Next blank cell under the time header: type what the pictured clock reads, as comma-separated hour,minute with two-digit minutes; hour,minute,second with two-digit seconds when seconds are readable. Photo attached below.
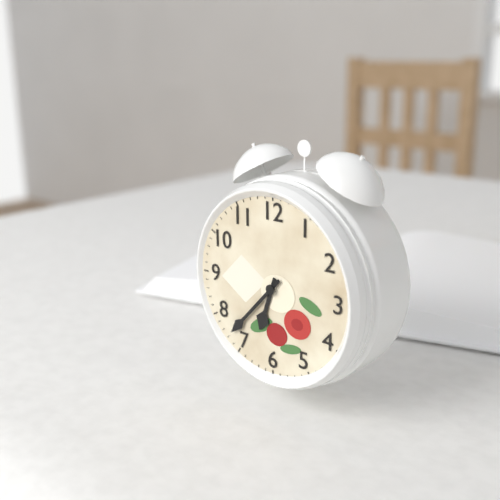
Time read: 6,37
